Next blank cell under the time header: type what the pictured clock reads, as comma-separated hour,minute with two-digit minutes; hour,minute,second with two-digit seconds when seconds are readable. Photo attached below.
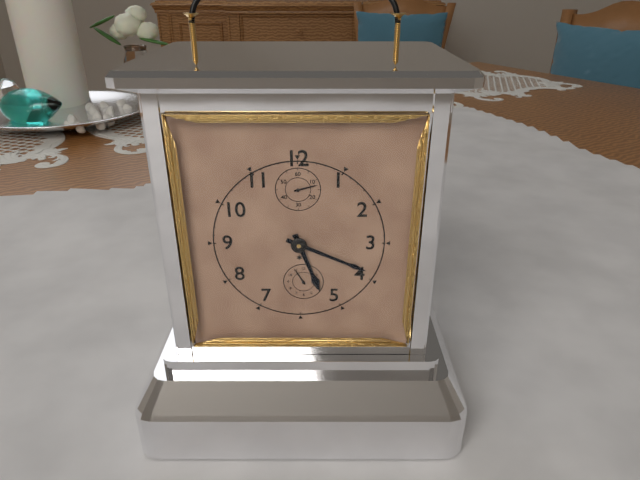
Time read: 5,19
